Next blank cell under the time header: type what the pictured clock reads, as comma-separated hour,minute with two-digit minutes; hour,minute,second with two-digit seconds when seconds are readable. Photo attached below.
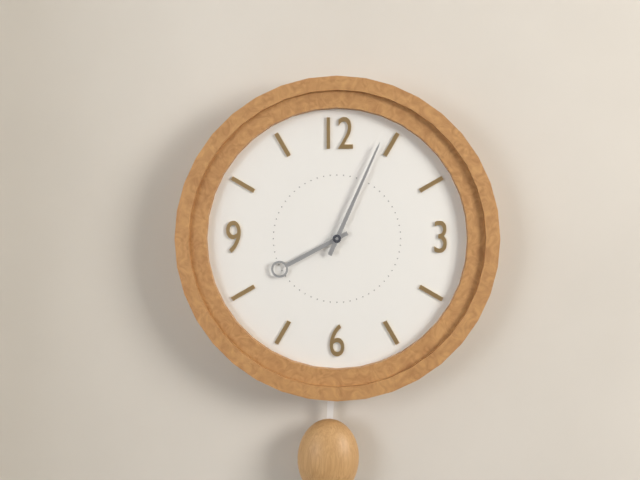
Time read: 8,04
